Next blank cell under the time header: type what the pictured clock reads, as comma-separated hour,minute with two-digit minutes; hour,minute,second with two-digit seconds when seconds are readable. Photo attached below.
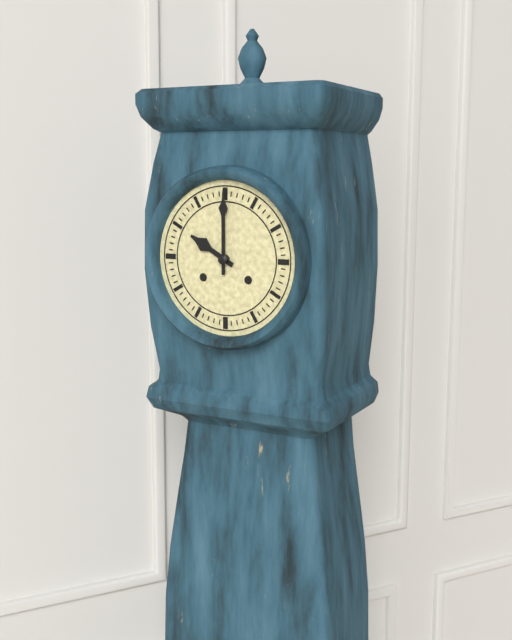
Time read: 10,00
